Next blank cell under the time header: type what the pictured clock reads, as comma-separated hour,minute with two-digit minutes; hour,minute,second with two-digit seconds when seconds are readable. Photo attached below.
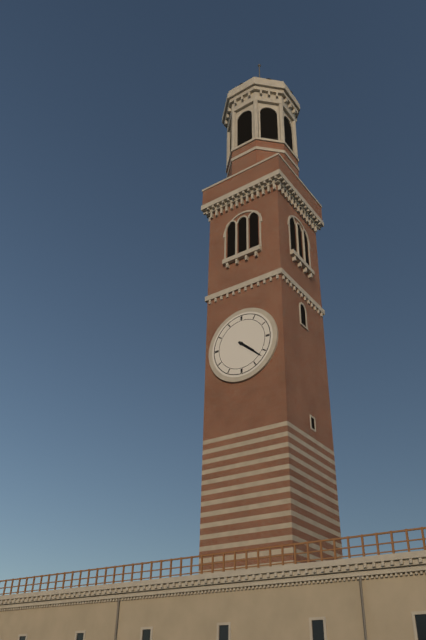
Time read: 4,22
